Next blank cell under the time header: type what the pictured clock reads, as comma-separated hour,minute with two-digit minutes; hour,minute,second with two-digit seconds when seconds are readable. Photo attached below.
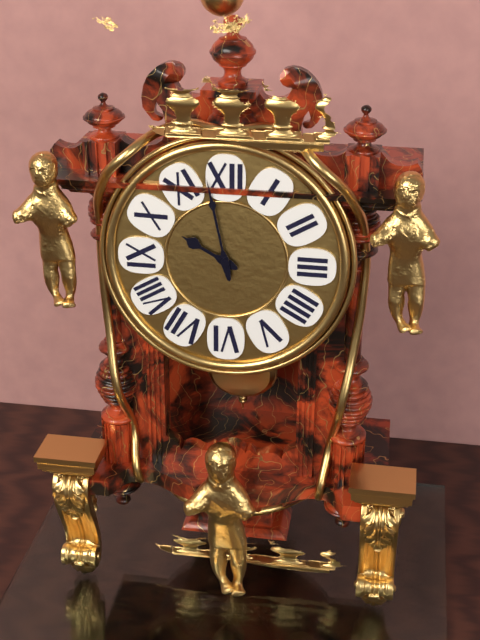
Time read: 9,58
